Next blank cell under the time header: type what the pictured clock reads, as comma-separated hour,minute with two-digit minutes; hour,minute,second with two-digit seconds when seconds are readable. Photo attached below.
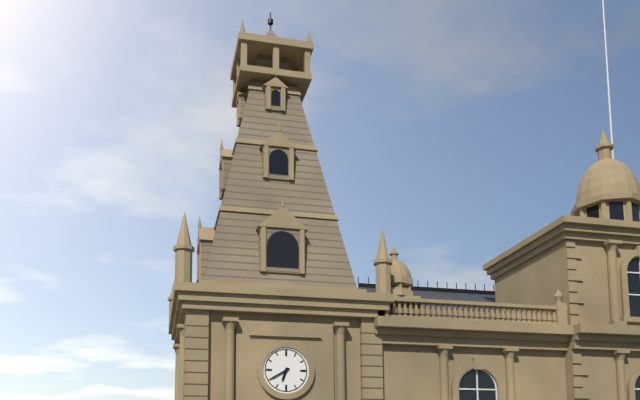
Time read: 6,40
